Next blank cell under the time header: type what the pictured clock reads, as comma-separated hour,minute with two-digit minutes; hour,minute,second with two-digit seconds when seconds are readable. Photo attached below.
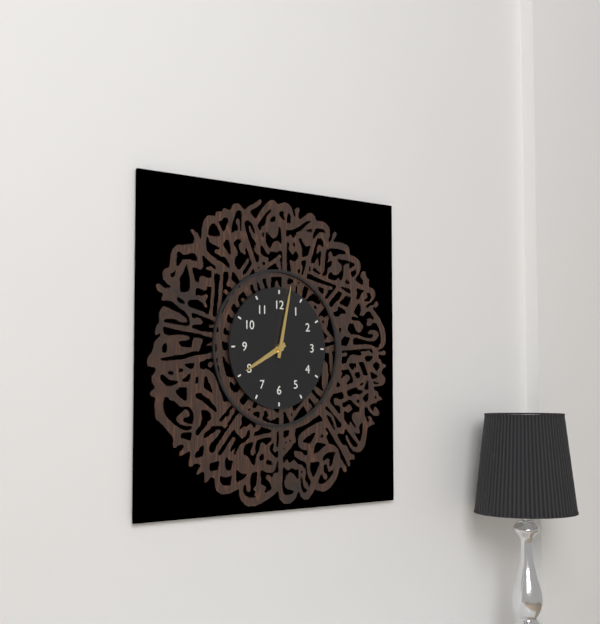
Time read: 8,02
